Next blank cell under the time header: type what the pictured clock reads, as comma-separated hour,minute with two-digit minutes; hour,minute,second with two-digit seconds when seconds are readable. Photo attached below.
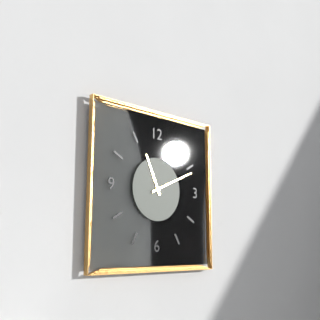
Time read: 11,11
